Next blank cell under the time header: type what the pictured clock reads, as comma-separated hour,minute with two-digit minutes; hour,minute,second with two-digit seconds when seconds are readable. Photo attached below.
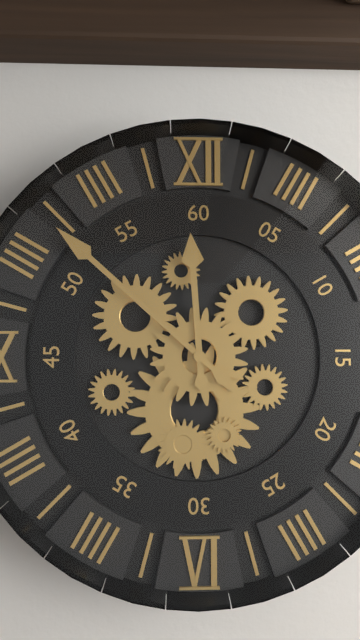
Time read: 11,52
